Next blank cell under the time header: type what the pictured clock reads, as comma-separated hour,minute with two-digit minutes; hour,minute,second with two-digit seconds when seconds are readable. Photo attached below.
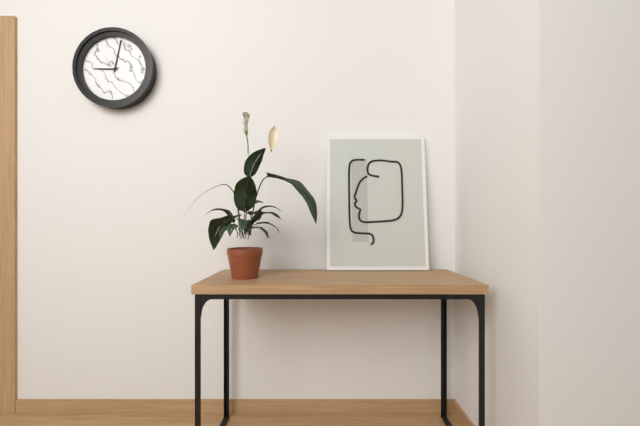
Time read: 9,02
